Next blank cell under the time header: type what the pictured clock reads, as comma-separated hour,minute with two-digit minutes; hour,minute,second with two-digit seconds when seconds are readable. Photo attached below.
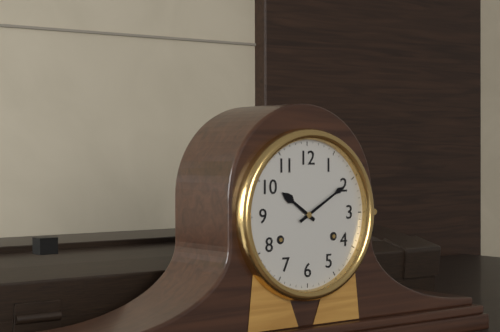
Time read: 10,10
